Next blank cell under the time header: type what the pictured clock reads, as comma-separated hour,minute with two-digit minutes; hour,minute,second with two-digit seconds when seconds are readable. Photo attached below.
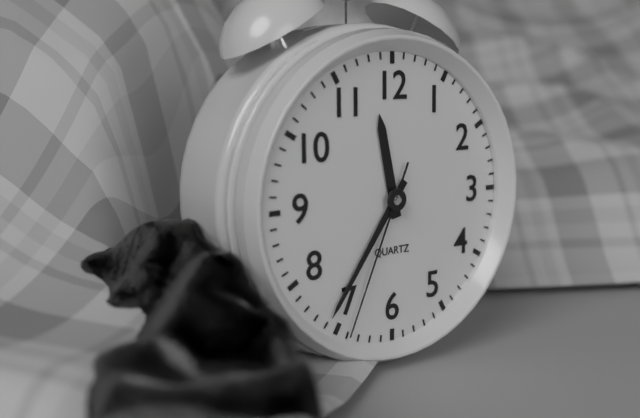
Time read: 11,36,34
